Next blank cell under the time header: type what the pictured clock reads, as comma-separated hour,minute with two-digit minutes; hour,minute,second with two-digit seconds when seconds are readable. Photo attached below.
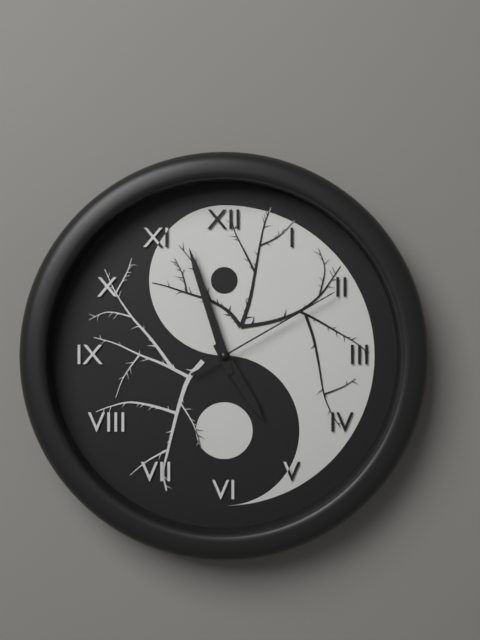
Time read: 4,57,10
